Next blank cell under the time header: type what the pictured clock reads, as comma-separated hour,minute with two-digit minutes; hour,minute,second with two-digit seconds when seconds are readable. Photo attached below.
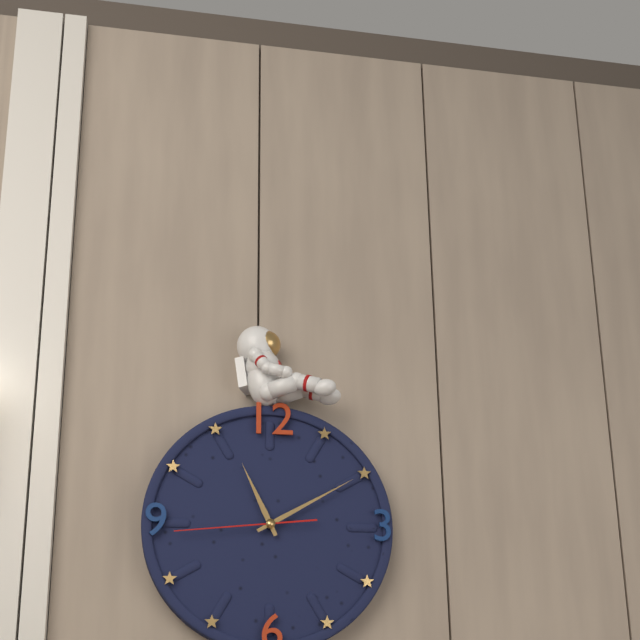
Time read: 11,10,44
